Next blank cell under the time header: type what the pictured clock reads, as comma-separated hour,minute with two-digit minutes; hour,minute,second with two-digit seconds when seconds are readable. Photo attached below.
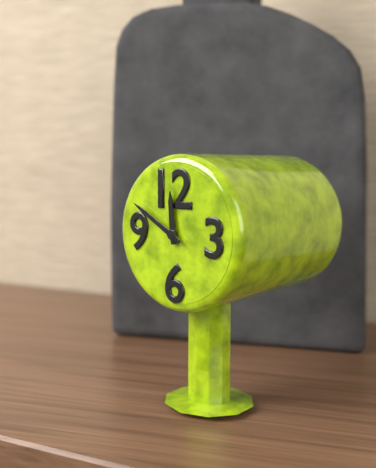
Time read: 11,50
